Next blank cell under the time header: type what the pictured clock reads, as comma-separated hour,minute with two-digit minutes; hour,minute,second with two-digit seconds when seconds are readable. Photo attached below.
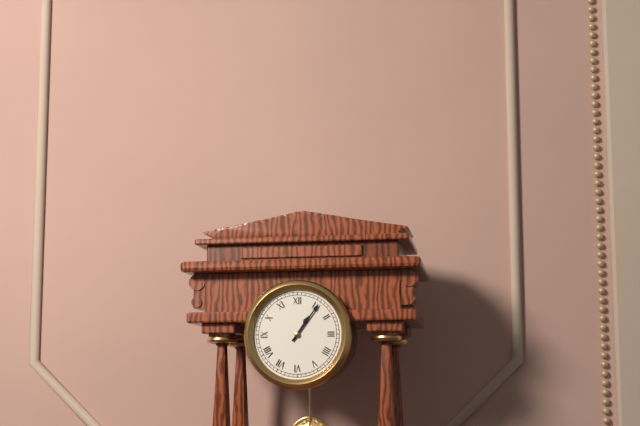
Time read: 1,06
